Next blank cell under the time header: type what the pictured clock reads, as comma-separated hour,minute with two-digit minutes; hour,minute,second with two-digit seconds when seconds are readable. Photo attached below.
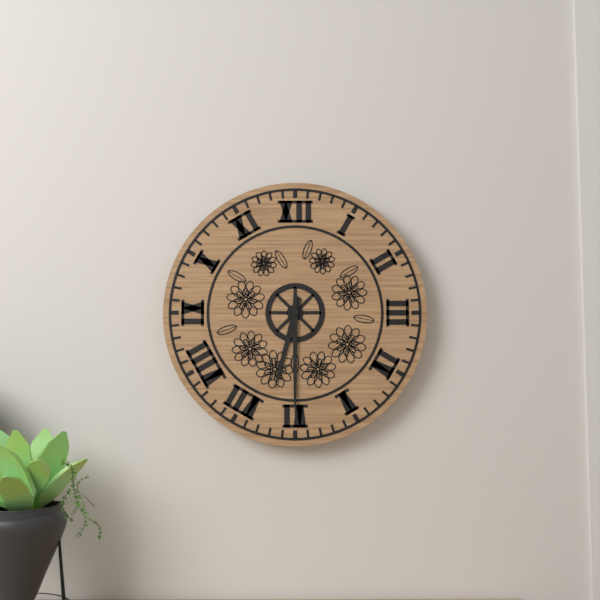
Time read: 6,30
